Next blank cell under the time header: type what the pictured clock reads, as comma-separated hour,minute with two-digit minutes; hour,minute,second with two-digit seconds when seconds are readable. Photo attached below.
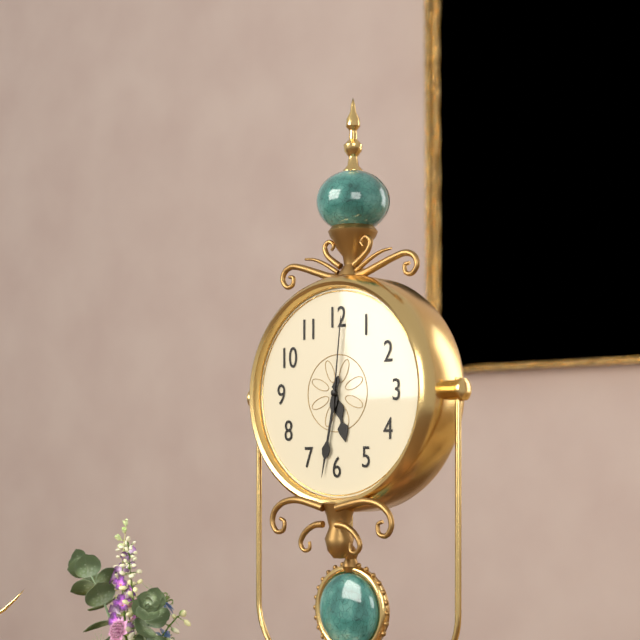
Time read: 5,32,01
